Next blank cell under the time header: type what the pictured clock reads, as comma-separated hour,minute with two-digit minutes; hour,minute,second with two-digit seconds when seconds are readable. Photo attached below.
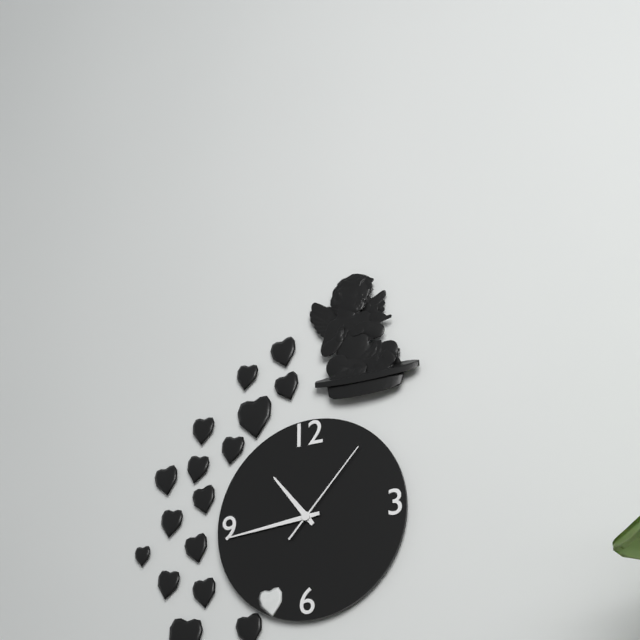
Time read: 10,44,07
